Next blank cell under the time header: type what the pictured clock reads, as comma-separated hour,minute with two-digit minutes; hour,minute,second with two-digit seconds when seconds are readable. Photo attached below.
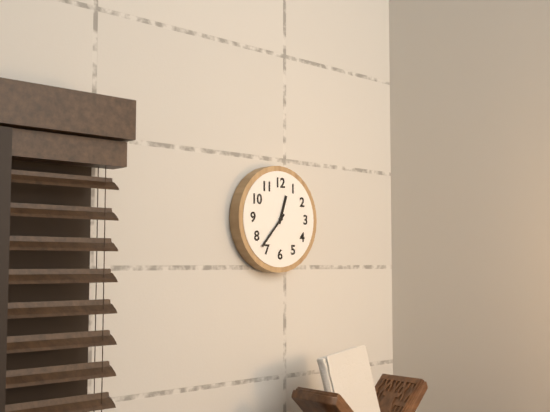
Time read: 12,37
